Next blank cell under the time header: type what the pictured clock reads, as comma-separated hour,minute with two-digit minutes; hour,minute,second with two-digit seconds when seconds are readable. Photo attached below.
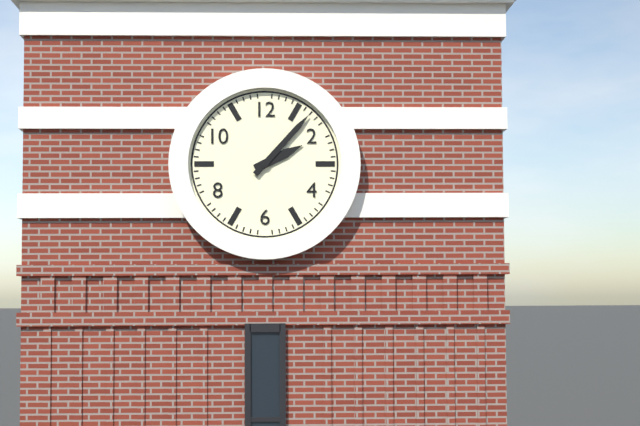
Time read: 2,07
